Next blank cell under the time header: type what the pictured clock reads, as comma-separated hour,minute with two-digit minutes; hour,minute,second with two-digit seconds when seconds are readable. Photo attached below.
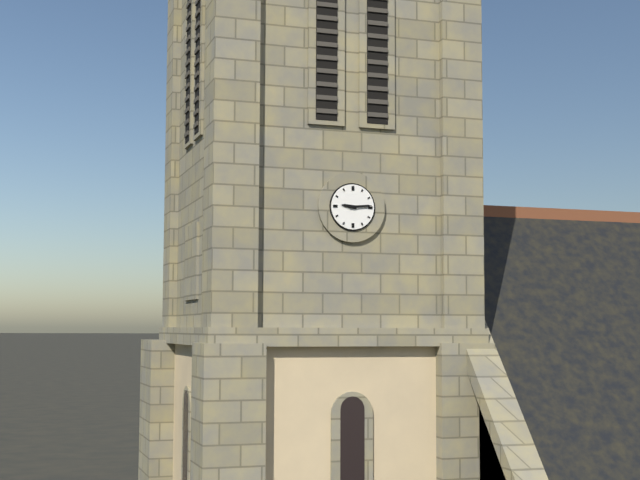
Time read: 9,14
